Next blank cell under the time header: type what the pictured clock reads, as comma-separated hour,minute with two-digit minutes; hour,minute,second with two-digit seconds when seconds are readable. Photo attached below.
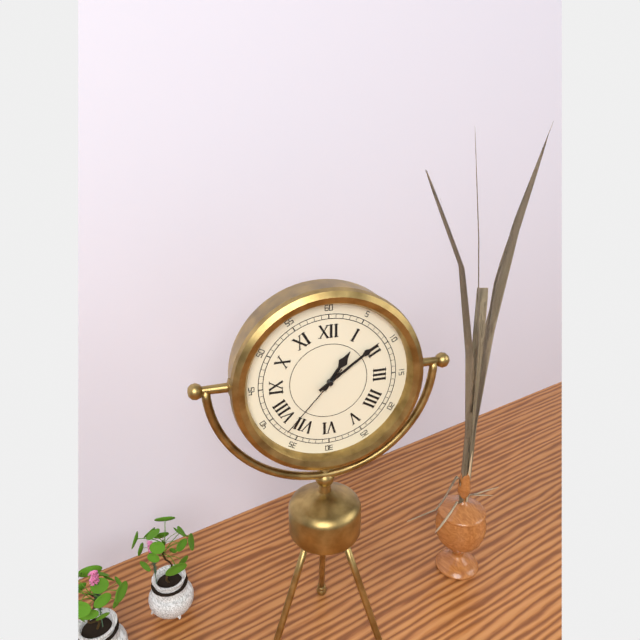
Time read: 1,09,37
